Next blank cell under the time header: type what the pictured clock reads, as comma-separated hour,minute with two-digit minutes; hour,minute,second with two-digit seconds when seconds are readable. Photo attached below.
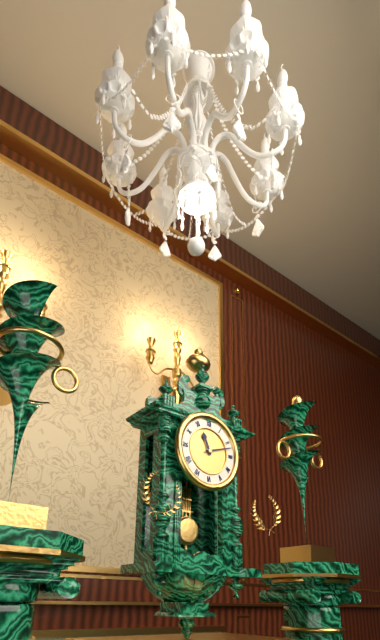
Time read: 11,12
